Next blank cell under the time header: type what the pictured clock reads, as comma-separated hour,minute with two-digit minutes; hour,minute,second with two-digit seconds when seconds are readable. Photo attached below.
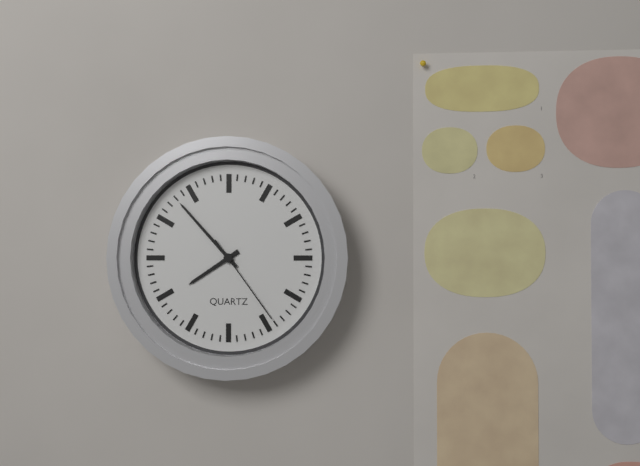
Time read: 7,53,24
